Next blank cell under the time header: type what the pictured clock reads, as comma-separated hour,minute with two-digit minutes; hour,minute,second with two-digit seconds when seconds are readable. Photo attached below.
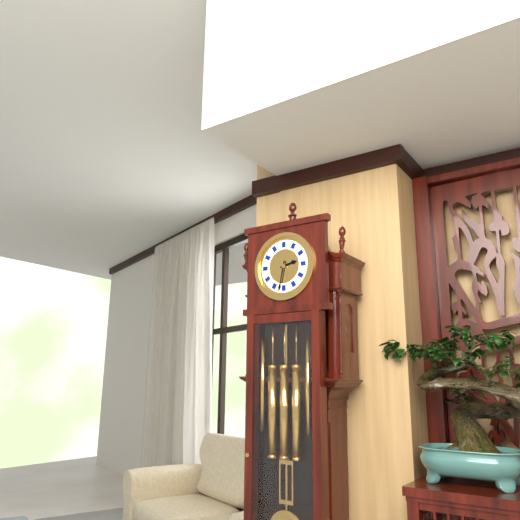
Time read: 2,32
